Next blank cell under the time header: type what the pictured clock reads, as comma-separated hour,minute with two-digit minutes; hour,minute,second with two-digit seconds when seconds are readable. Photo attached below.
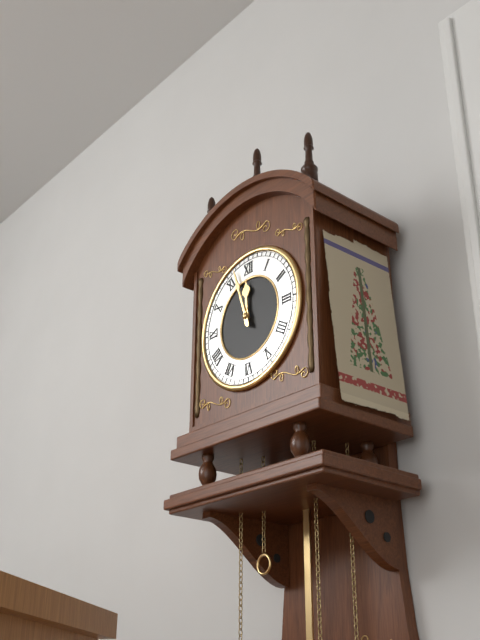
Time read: 11,57
